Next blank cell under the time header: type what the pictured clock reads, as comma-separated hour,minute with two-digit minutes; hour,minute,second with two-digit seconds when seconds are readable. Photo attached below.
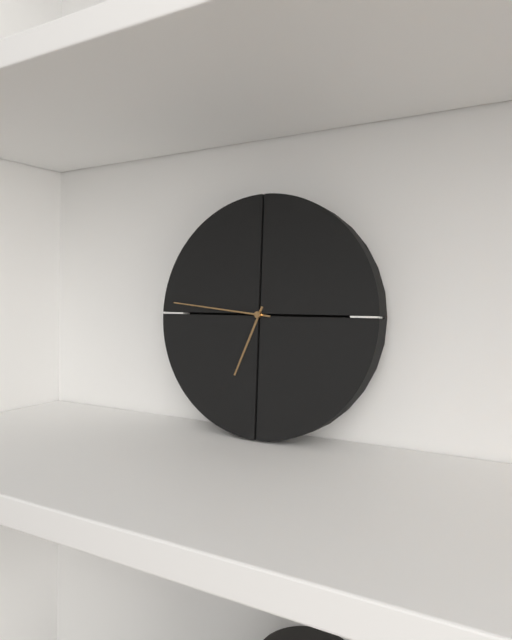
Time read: 6,46
